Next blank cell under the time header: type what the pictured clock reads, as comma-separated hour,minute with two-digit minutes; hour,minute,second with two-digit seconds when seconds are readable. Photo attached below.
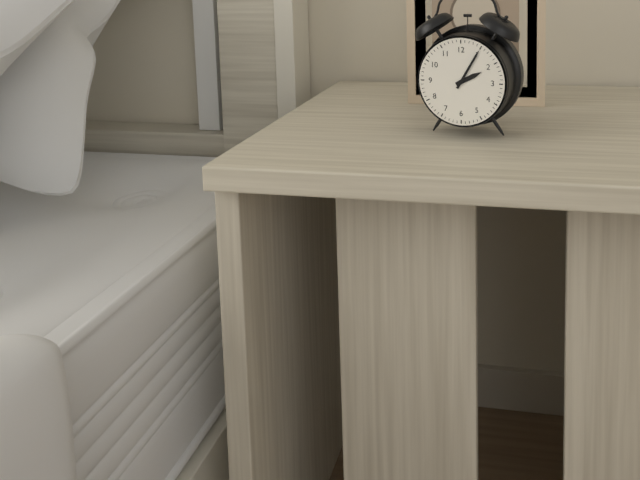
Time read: 2,05
